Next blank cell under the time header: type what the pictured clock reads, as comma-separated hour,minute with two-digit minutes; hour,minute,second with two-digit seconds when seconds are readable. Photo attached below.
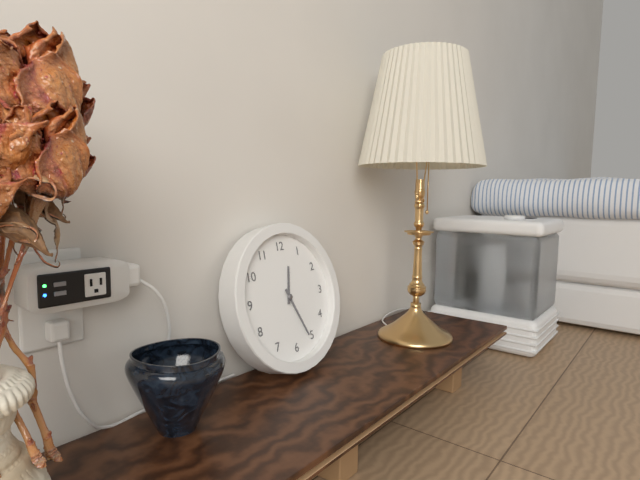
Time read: 12,26
